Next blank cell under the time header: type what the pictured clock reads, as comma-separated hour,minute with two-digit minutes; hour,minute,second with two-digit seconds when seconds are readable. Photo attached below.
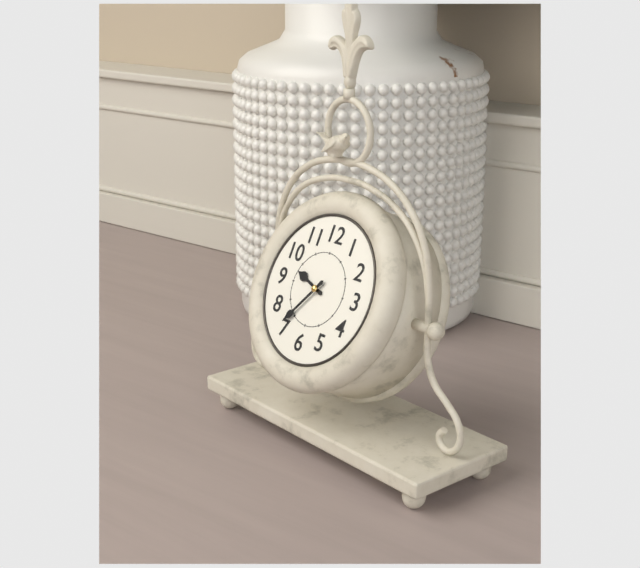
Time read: 9,36
